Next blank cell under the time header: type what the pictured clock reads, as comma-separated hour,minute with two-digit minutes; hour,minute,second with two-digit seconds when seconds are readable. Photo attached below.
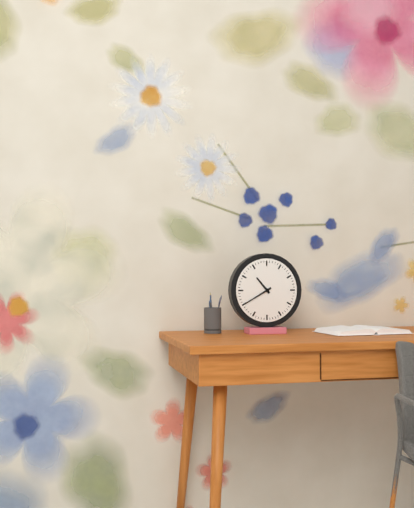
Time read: 10,40
